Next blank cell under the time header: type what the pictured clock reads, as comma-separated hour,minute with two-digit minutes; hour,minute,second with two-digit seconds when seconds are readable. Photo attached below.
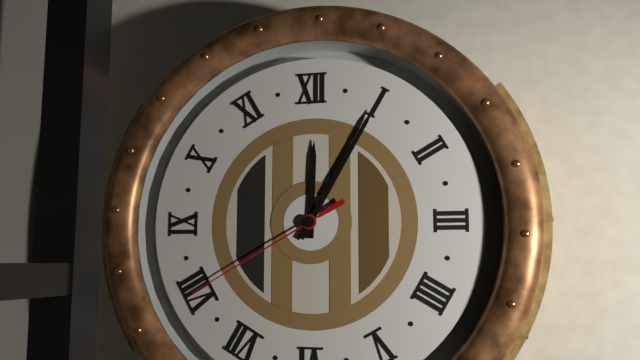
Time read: 12,05,40
